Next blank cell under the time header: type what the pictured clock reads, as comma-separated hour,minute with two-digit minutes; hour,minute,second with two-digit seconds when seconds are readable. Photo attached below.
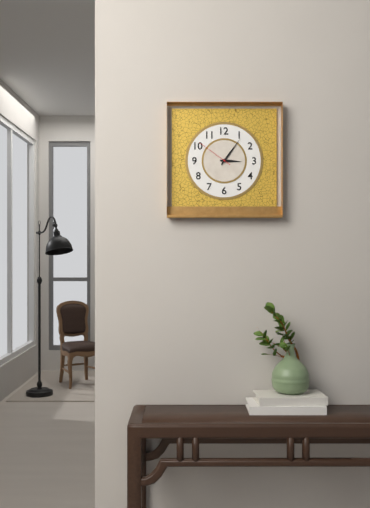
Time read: 3,06
